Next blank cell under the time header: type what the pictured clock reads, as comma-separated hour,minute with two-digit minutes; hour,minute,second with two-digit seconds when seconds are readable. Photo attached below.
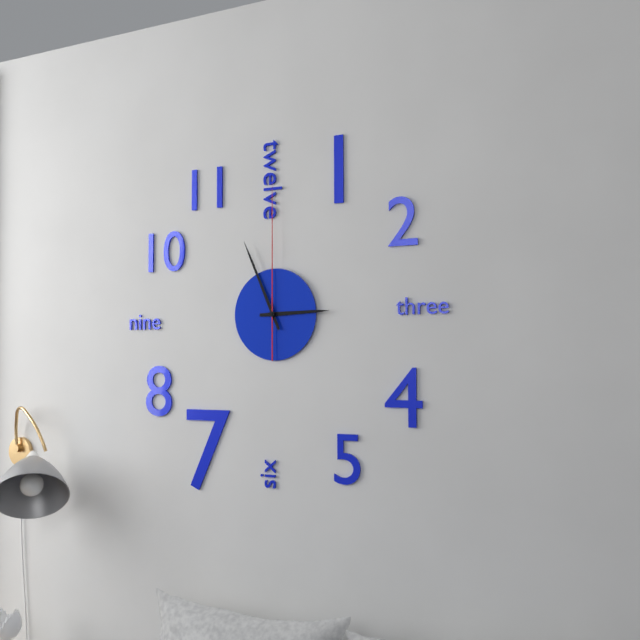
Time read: 2,56,00
